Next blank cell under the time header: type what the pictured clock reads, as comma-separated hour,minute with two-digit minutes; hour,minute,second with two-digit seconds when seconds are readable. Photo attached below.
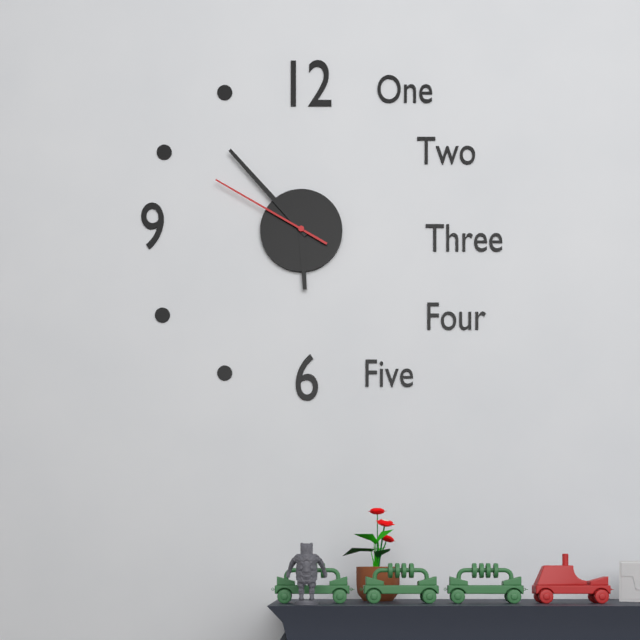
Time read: 5,53,50
